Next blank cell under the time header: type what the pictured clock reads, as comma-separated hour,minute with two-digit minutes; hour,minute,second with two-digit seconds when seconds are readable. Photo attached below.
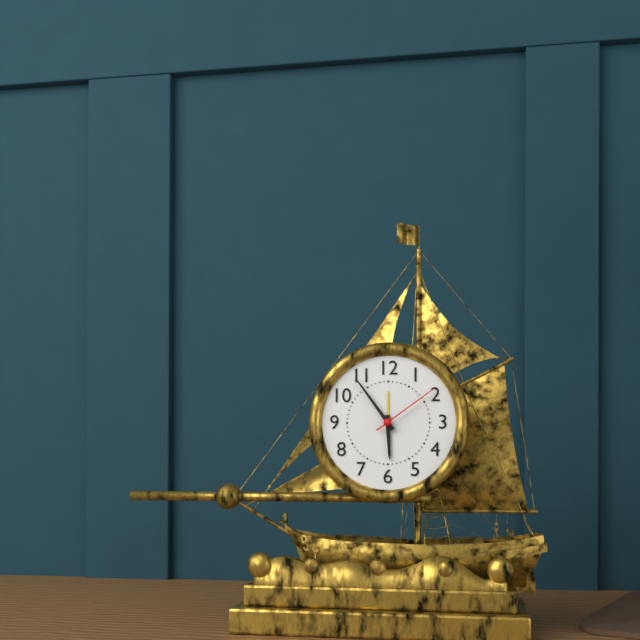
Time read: 5,54,09
